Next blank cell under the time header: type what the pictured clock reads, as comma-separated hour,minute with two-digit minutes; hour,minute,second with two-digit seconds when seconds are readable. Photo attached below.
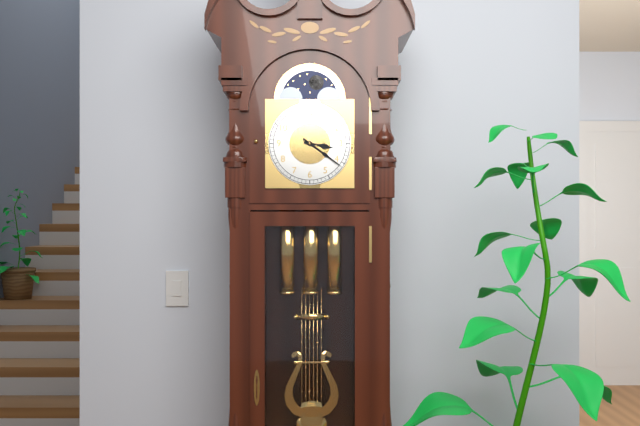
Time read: 3,21
